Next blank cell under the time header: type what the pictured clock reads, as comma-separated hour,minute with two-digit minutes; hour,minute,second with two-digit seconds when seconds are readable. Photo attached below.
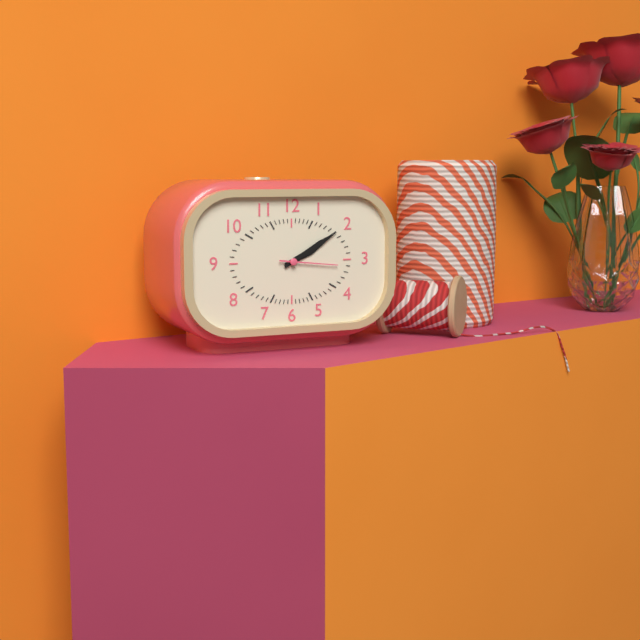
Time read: 2,10,16
